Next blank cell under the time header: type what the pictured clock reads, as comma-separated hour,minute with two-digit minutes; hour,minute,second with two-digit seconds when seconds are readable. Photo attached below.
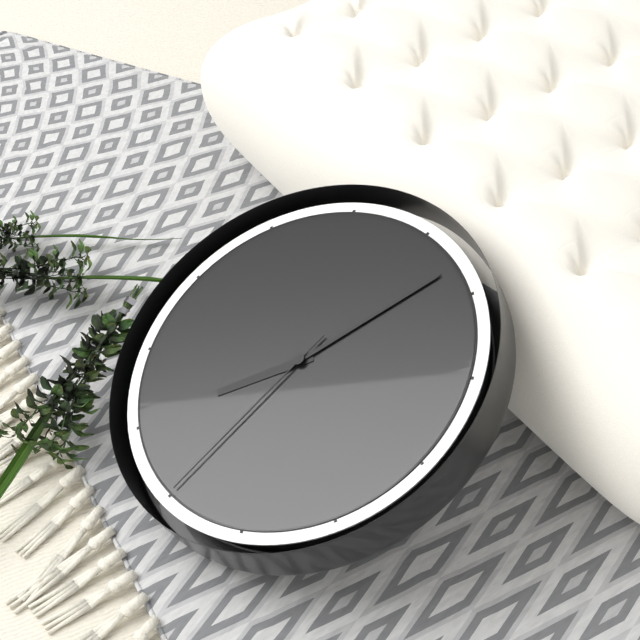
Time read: 7,03,30
